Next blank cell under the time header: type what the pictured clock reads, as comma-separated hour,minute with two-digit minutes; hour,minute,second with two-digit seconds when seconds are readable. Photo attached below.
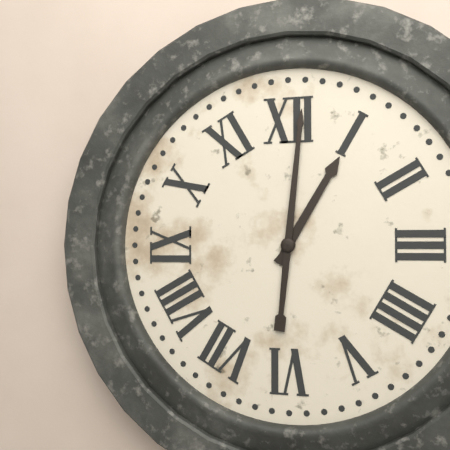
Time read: 1,01
